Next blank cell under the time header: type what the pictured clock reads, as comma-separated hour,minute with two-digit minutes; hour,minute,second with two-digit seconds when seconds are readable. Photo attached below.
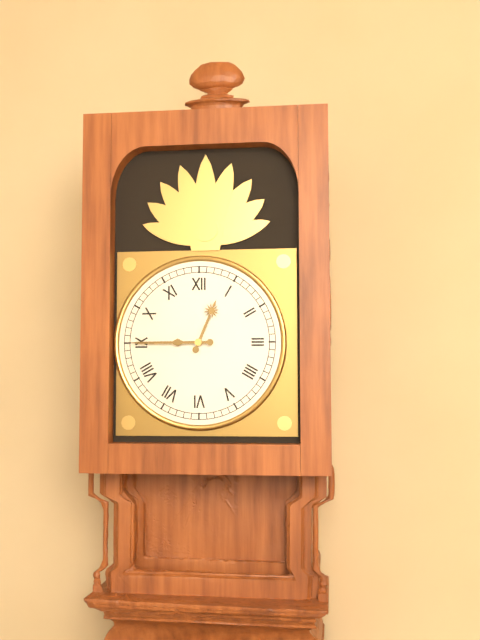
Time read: 12,45
